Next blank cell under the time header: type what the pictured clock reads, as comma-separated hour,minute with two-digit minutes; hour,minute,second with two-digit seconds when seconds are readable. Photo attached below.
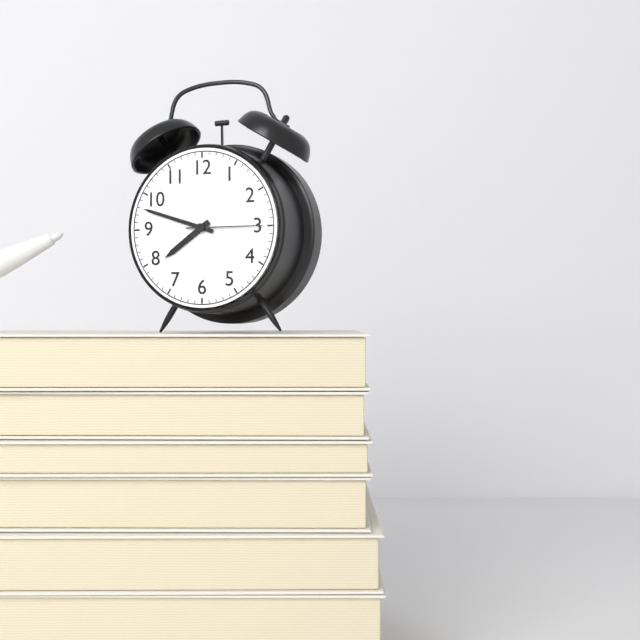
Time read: 7,48,15
